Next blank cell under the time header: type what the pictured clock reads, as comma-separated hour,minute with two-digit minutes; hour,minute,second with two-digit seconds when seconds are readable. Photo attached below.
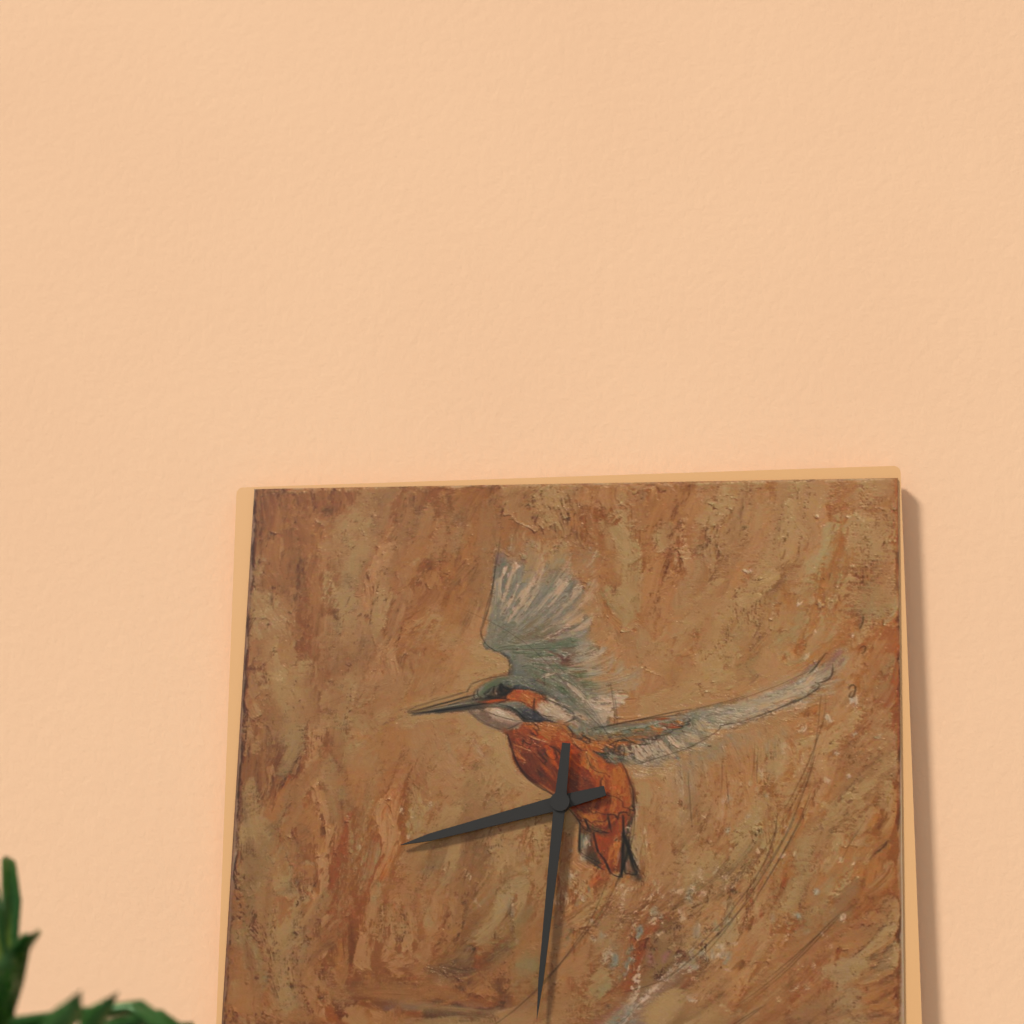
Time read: 8,31
